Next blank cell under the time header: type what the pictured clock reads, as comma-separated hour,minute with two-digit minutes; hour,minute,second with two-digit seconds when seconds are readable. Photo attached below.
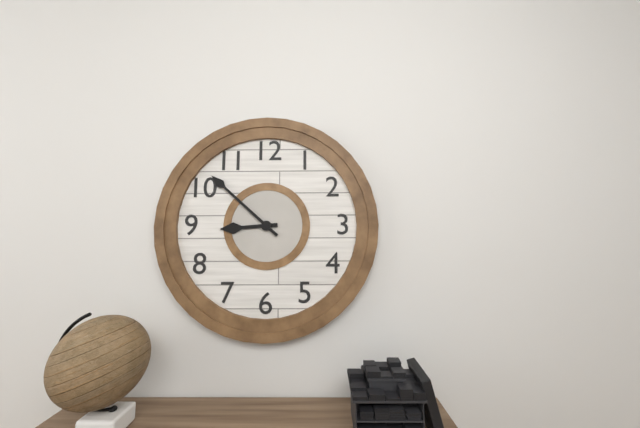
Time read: 8,52
